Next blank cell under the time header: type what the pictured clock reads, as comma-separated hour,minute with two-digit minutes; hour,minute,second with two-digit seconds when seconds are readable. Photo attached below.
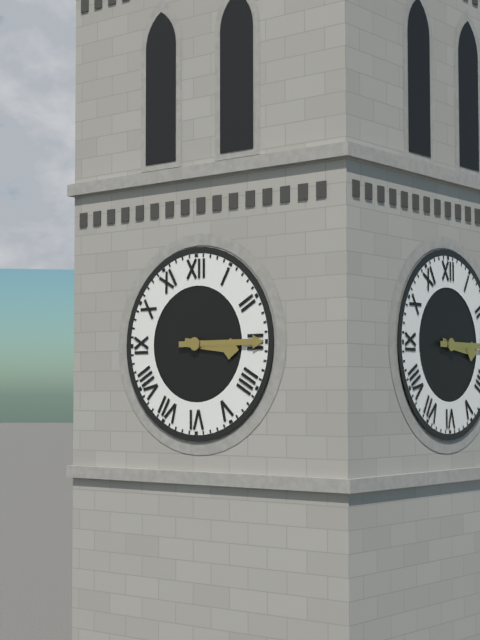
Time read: 3,15
